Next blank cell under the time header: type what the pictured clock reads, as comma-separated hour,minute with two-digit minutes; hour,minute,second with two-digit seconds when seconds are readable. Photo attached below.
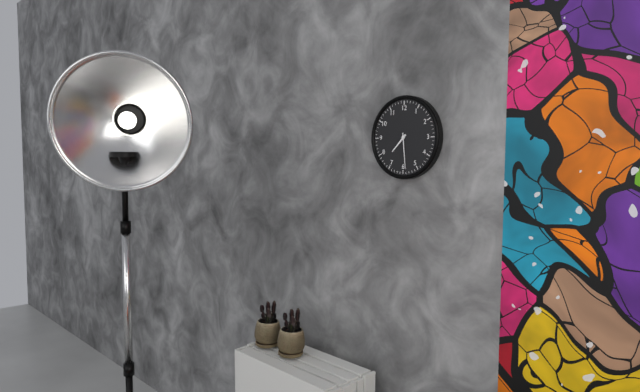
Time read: 7,29
